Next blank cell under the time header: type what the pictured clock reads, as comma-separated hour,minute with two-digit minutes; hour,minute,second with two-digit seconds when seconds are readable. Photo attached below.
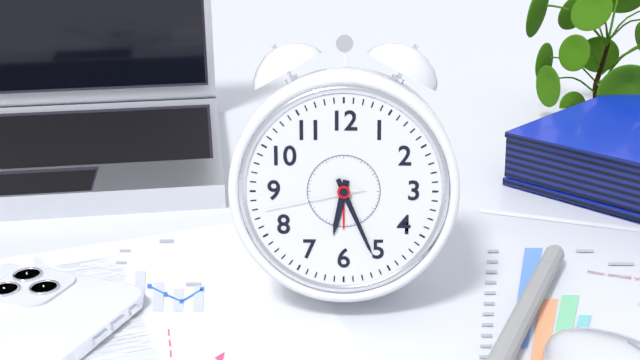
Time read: 6,26,43
